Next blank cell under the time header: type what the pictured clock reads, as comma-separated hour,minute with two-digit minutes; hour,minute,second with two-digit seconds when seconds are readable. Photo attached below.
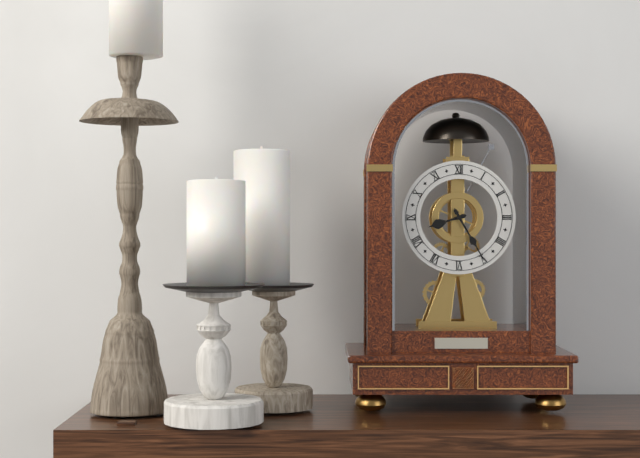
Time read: 8,25
